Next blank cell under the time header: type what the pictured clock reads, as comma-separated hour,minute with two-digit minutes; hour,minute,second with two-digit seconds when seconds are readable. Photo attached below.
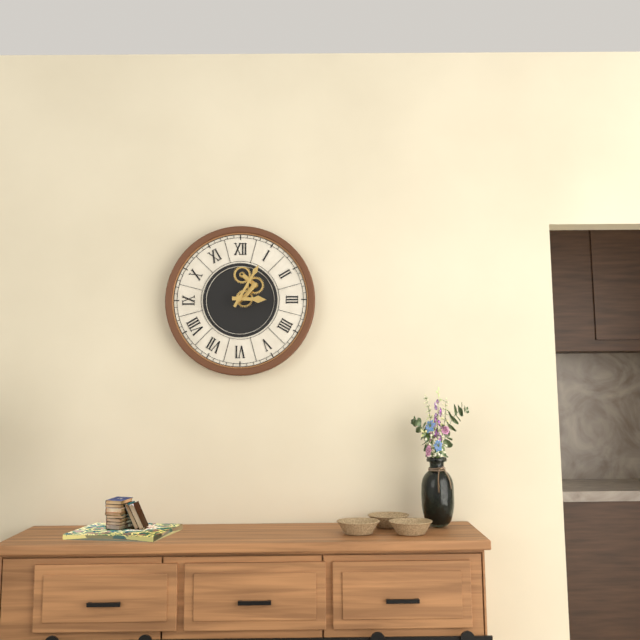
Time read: 3,05
